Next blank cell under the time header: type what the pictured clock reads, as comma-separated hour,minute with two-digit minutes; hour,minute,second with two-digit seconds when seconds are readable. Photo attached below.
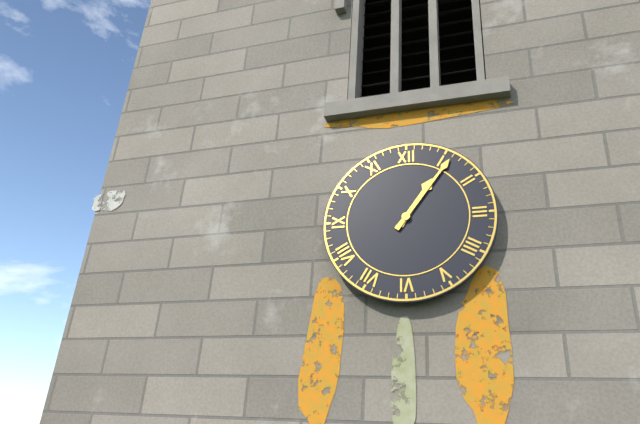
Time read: 1,06
